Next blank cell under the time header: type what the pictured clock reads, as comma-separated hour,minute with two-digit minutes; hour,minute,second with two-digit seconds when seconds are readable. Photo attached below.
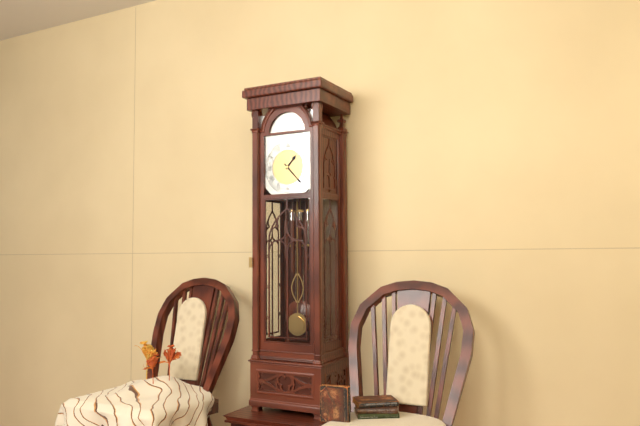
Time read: 1,23
